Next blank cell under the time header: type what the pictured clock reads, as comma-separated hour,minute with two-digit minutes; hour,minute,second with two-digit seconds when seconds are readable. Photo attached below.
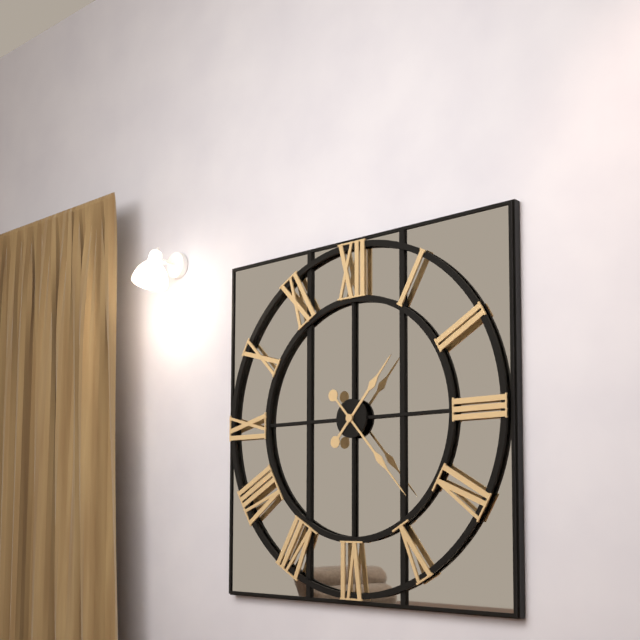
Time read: 1,23
